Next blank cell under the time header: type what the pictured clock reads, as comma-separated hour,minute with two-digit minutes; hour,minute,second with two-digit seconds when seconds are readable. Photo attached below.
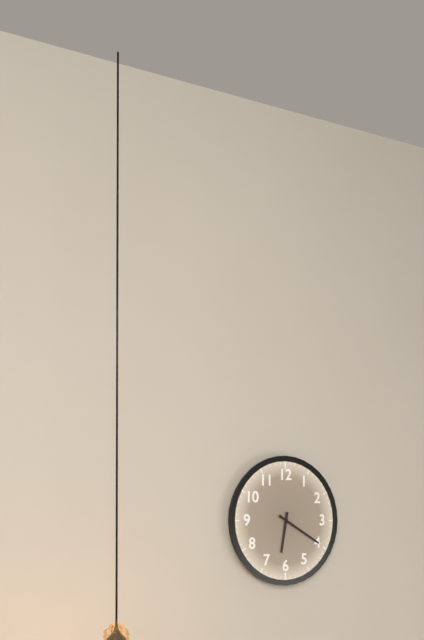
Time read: 6,20
